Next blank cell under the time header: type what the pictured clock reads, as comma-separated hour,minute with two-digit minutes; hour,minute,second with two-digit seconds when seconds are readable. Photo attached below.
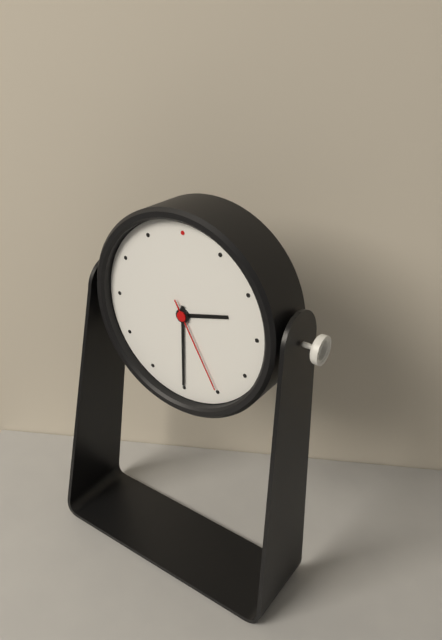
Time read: 2,30,25
